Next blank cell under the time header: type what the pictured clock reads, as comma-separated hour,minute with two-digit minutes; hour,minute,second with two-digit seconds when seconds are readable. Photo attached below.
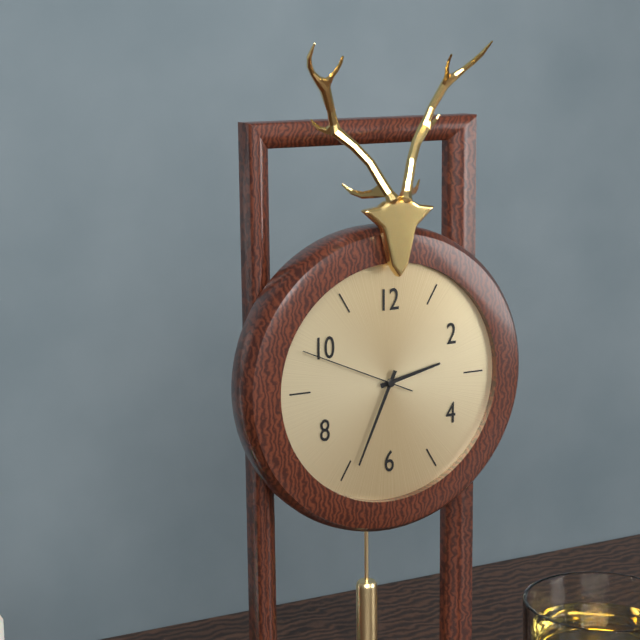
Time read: 2,34,49
